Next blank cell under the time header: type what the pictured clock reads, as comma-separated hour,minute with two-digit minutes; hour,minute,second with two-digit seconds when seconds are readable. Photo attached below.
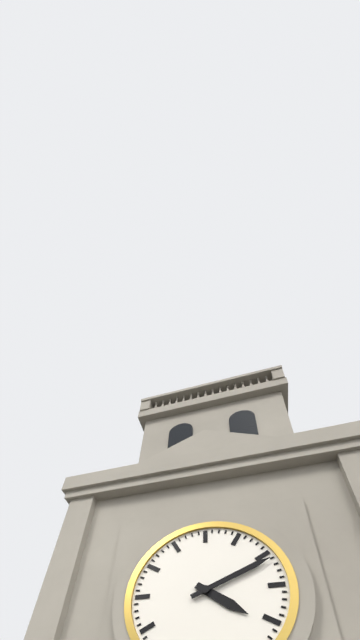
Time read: 4,11
